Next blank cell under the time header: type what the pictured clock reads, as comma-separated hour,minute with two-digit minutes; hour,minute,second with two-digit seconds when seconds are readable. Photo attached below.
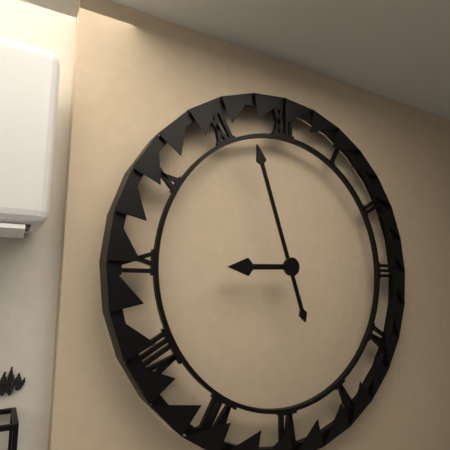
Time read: 8,57
